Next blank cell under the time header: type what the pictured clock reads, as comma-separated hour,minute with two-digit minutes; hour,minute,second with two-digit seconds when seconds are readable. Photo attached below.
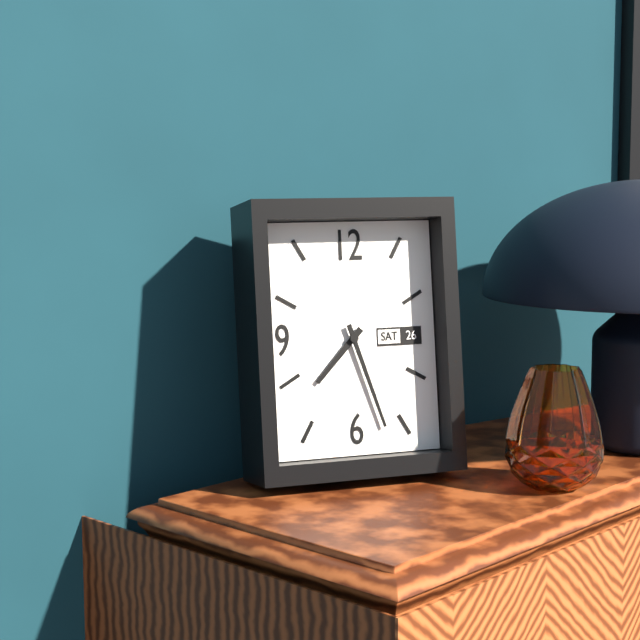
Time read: 7,27
